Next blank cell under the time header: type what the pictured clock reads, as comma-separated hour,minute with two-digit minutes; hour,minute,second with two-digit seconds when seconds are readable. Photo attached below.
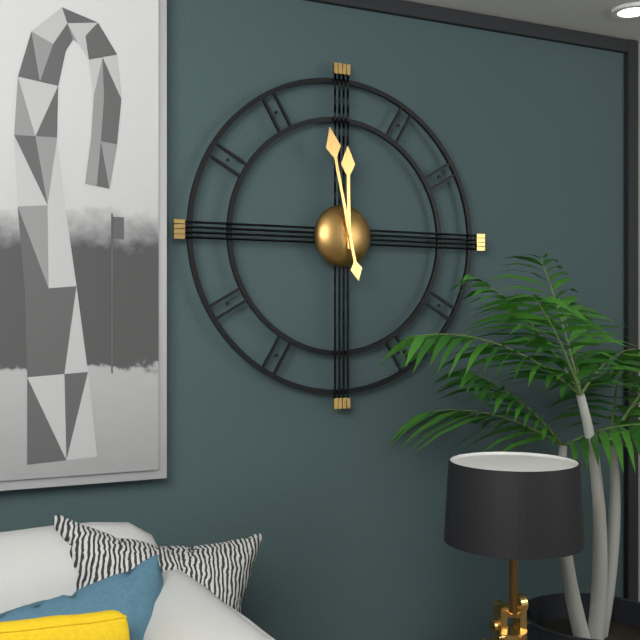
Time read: 11,58
